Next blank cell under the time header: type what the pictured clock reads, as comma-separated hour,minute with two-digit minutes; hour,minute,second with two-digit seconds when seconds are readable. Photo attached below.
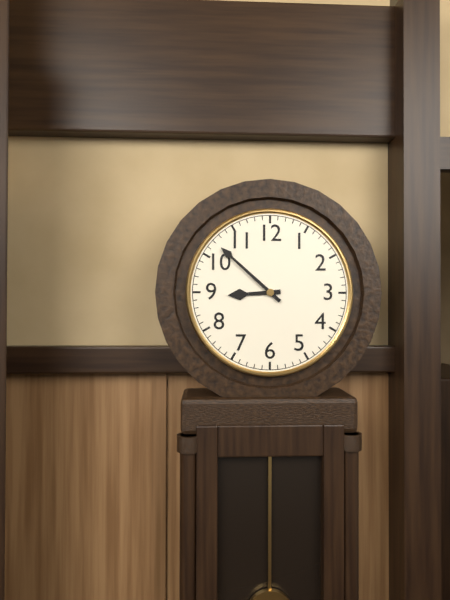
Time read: 8,52
